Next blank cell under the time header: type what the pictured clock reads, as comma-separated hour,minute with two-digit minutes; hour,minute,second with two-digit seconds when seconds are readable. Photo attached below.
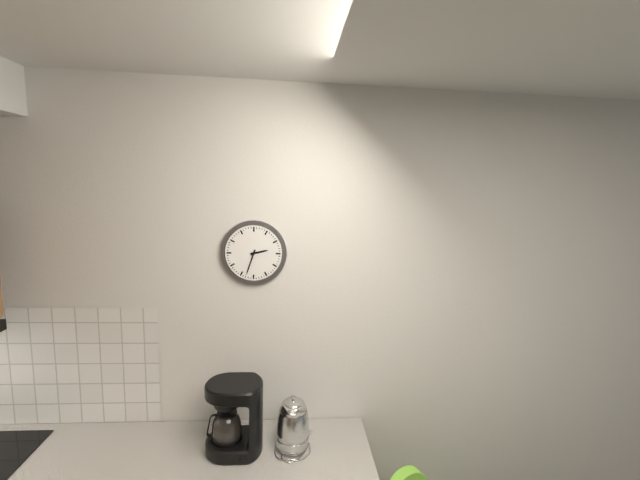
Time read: 2,33
